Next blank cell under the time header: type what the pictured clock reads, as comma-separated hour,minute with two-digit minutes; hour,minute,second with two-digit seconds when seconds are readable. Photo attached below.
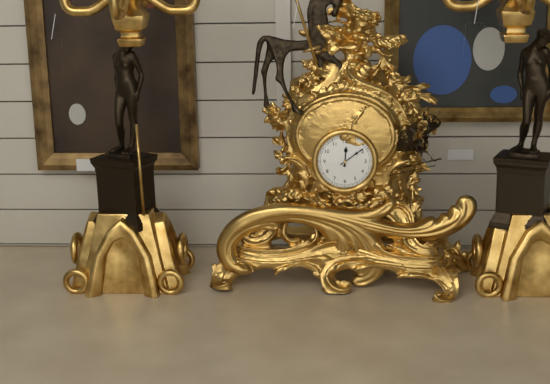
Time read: 12,09
